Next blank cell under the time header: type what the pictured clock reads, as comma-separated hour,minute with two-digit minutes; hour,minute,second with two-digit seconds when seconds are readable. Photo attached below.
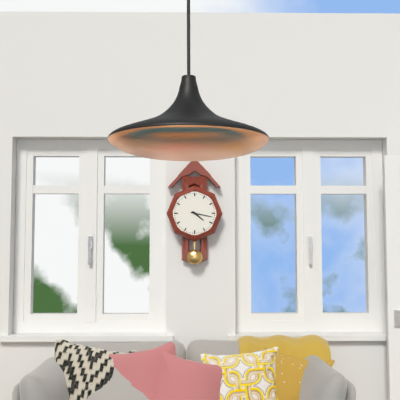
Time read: 4,17
